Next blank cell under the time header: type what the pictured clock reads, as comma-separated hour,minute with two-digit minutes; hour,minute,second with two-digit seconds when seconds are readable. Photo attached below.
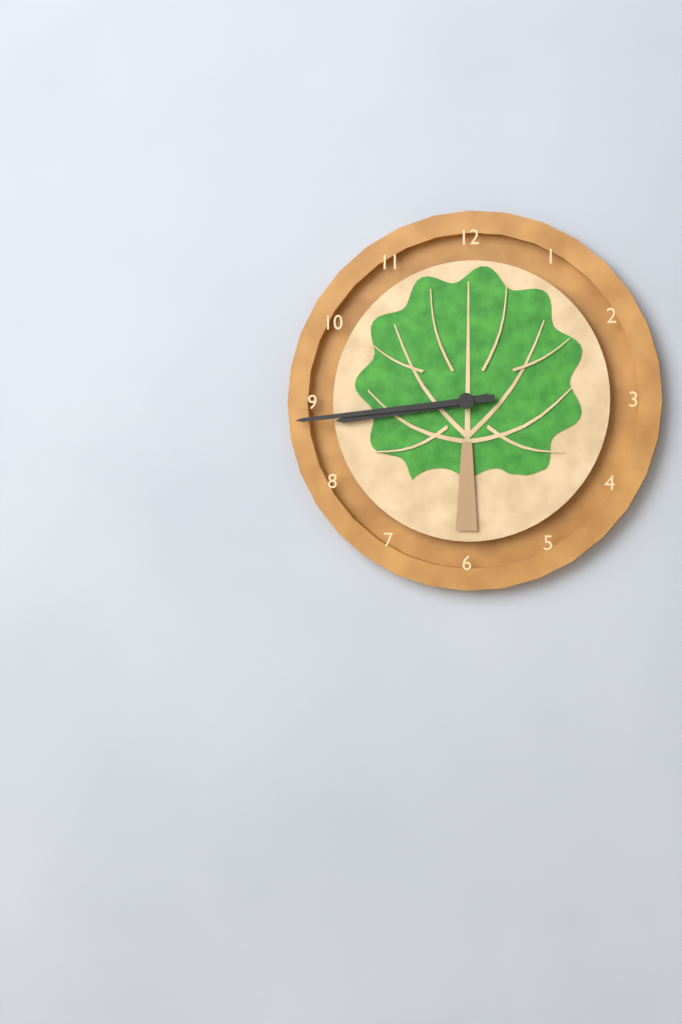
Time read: 8,44
